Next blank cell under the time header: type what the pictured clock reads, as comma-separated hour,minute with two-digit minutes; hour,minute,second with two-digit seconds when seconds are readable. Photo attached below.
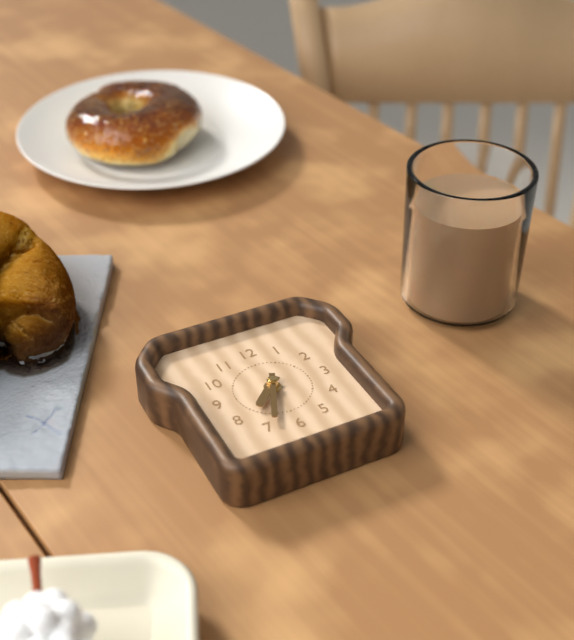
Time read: 7,34
